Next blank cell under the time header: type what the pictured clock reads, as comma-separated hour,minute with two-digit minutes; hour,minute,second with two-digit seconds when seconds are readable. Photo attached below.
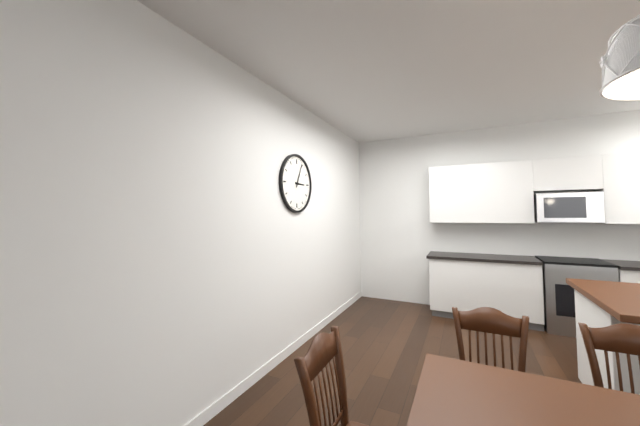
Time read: 3,04
